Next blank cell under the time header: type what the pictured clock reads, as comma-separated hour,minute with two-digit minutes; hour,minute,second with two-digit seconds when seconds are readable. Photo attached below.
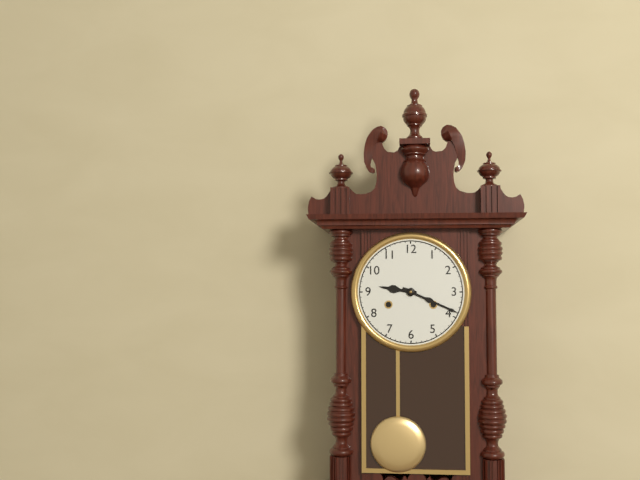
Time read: 9,19
